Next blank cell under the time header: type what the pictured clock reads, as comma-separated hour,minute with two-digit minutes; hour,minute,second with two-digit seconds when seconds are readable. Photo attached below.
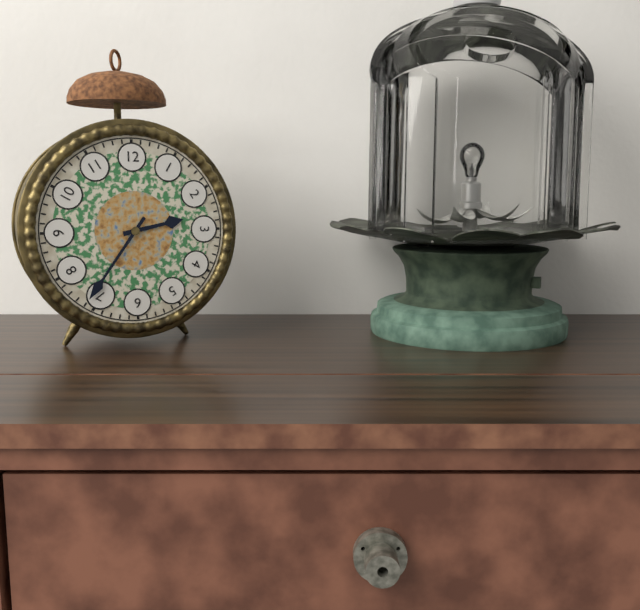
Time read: 2,36
